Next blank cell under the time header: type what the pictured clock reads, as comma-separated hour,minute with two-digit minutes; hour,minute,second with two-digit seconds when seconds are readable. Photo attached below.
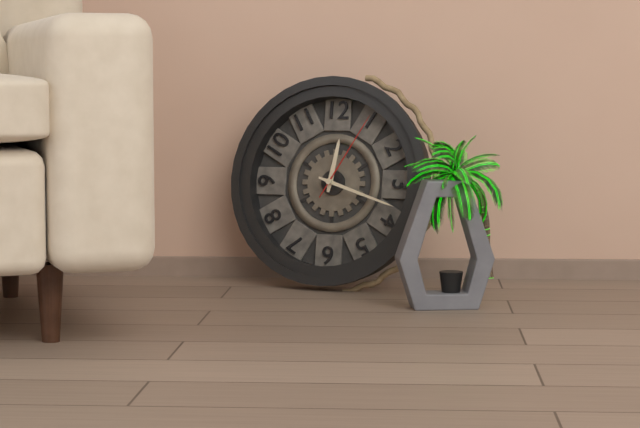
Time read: 12,18,05
